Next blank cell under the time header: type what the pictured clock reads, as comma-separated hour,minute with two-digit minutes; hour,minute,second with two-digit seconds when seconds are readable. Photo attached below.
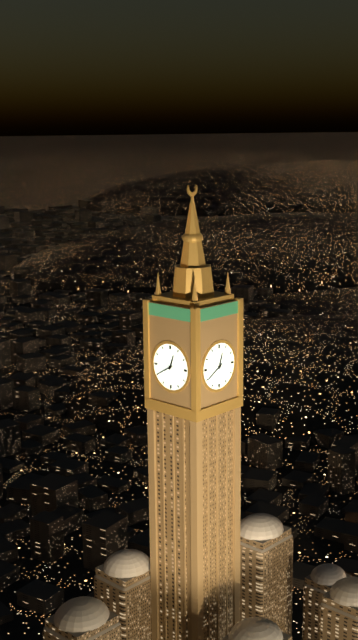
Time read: 12,40
